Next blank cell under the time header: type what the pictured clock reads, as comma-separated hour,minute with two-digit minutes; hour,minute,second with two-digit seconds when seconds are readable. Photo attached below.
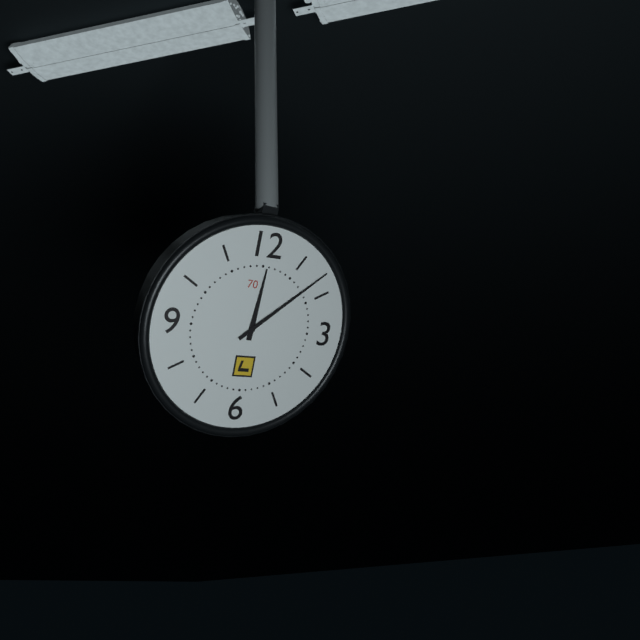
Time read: 12,08
